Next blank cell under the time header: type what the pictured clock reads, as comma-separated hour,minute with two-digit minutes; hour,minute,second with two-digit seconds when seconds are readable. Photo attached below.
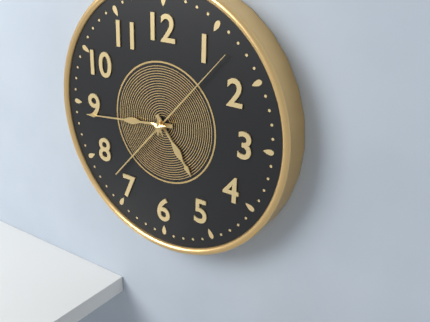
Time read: 4,44,07
